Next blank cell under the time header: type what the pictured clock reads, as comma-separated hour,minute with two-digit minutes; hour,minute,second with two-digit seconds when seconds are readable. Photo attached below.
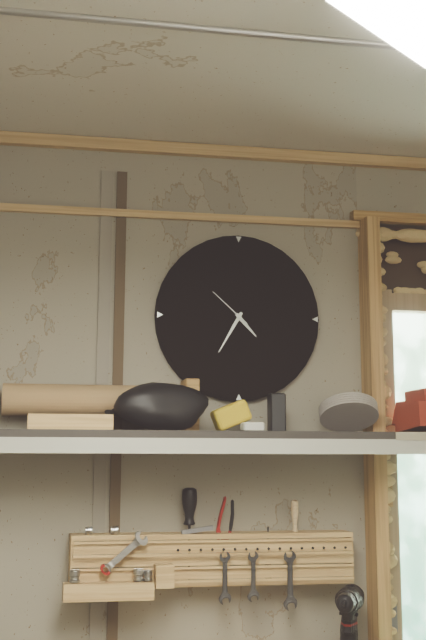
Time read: 4,35
